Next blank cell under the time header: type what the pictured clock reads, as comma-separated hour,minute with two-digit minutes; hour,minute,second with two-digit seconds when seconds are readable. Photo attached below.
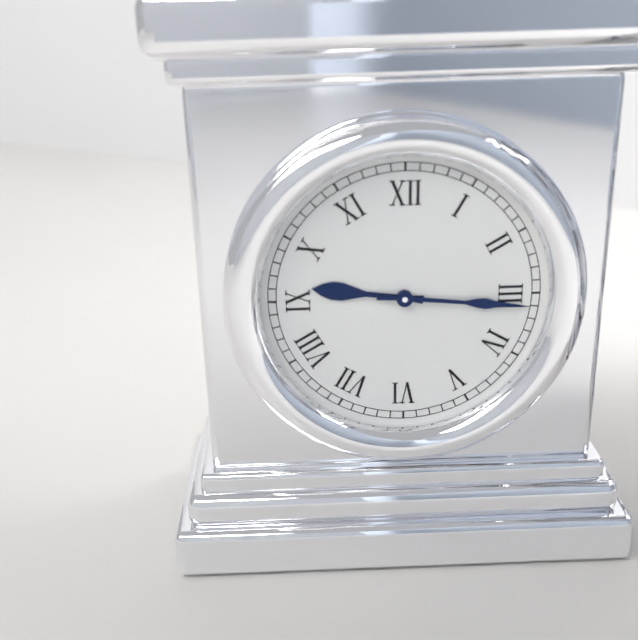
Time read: 9,16
